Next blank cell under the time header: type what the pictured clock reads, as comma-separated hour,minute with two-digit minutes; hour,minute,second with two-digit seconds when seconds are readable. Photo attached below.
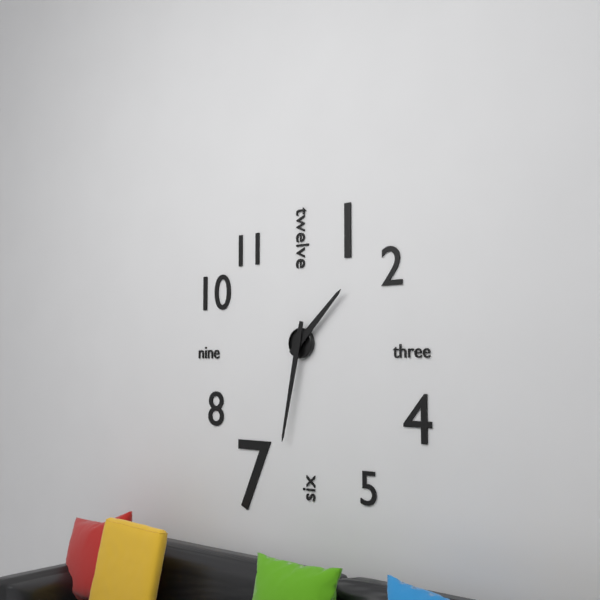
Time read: 1,32
